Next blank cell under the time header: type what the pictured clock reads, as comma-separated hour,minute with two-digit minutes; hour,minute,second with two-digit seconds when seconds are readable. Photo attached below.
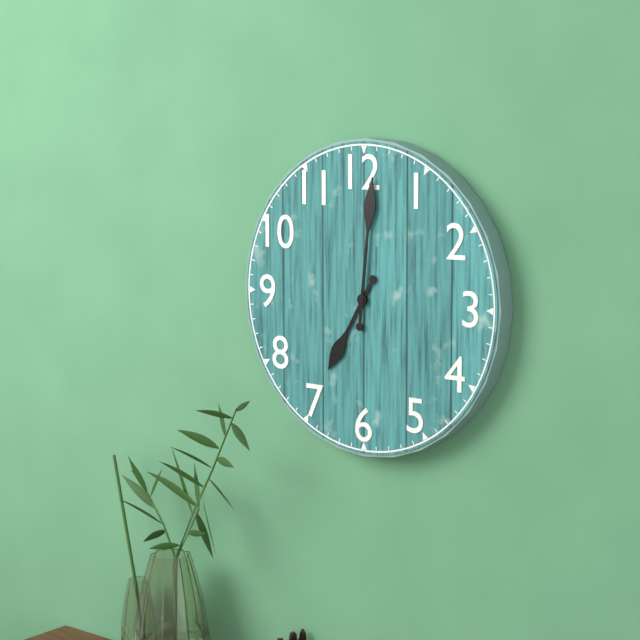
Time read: 7,01
